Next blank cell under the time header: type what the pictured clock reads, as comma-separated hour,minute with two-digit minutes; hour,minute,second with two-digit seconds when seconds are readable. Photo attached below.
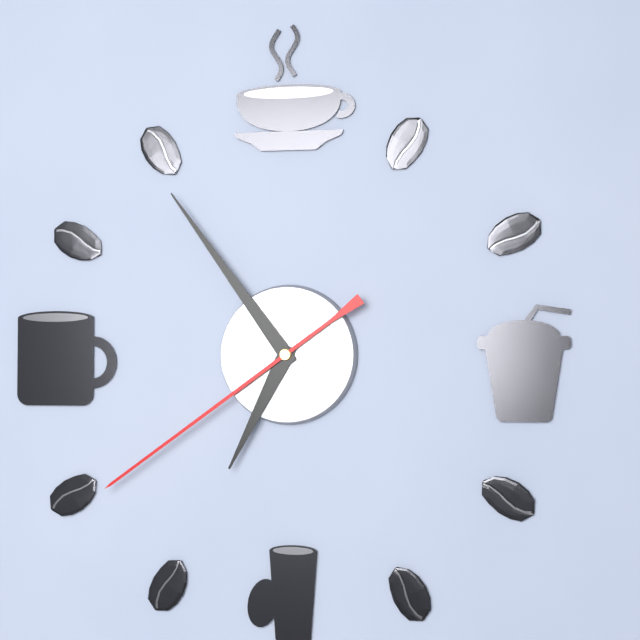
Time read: 6,54,39
